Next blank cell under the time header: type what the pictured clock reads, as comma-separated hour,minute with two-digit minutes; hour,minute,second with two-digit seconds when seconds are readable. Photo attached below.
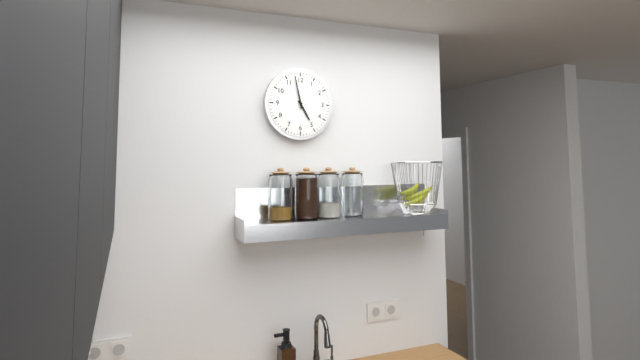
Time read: 4,58
